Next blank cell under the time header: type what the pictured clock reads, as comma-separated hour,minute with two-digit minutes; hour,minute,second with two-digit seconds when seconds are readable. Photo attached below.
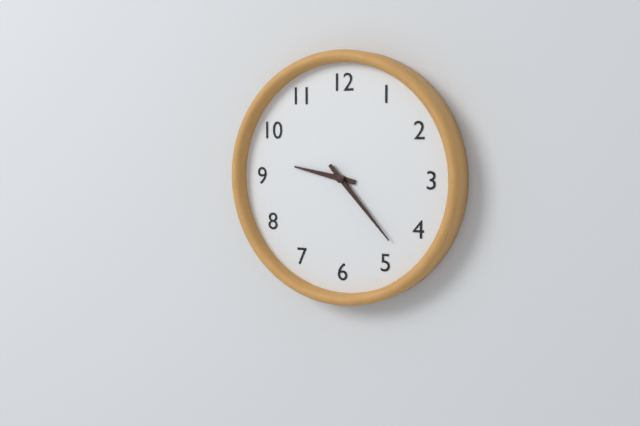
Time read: 9,23
